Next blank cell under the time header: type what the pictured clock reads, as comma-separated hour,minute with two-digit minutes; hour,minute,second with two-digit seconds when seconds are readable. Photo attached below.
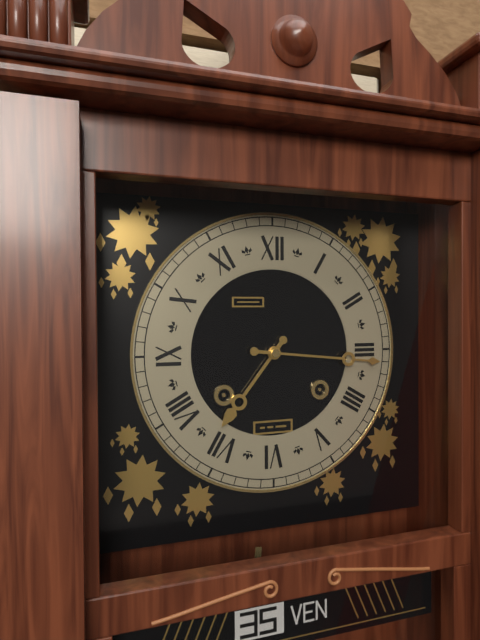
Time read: 7,16
